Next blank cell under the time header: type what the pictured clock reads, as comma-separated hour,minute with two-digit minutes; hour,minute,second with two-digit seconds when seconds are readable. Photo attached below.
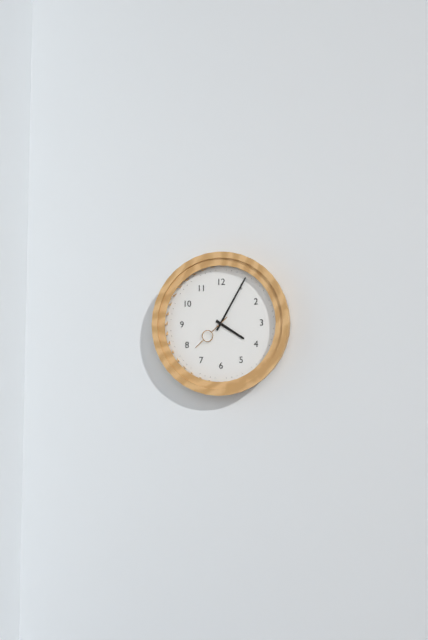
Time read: 4,05
